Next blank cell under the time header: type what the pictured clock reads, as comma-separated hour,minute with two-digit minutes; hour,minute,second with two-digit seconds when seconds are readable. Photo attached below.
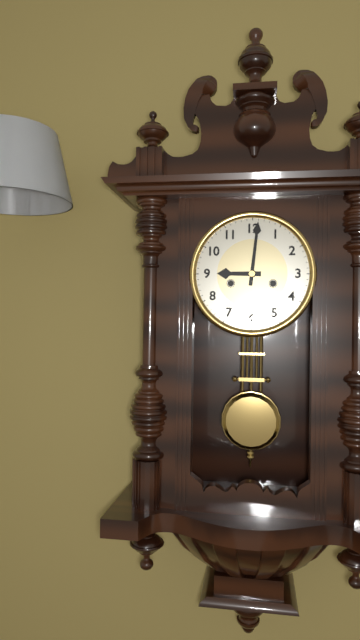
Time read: 9,01
